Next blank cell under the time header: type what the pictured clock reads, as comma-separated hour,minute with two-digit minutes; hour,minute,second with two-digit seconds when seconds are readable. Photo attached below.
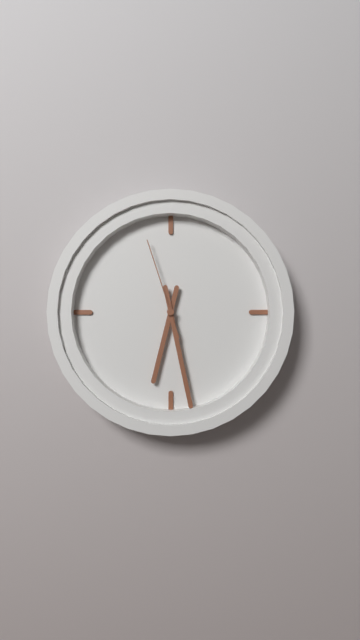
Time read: 6,28,57
